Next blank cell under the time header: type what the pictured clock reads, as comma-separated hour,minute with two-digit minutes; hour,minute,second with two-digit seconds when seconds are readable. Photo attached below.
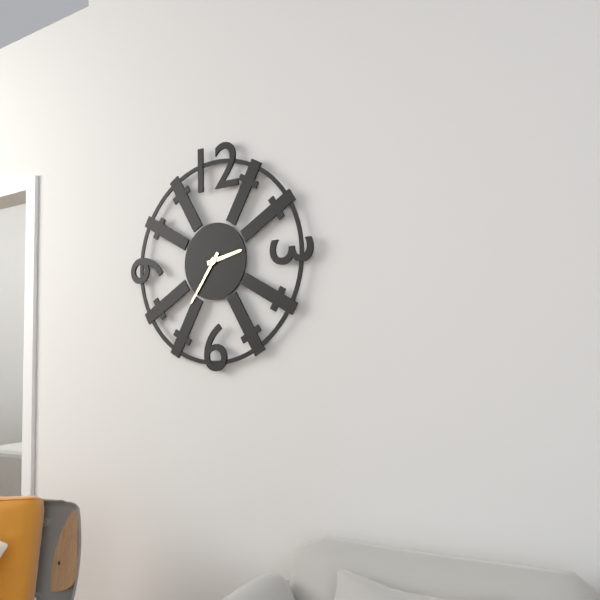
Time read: 2,36
